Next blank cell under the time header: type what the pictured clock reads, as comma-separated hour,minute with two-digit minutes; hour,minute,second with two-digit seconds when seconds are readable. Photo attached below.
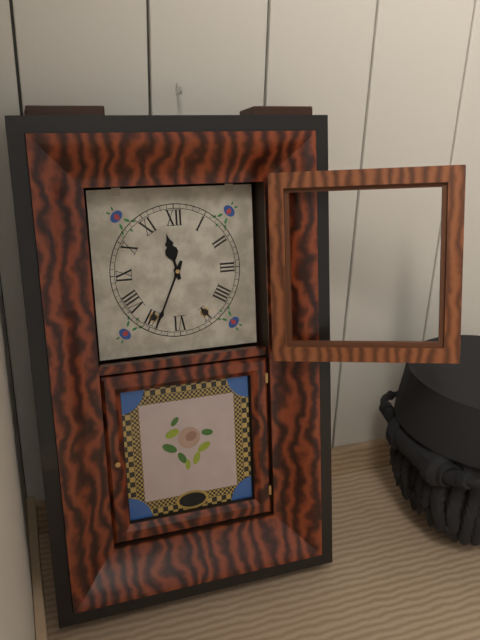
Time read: 11,34
